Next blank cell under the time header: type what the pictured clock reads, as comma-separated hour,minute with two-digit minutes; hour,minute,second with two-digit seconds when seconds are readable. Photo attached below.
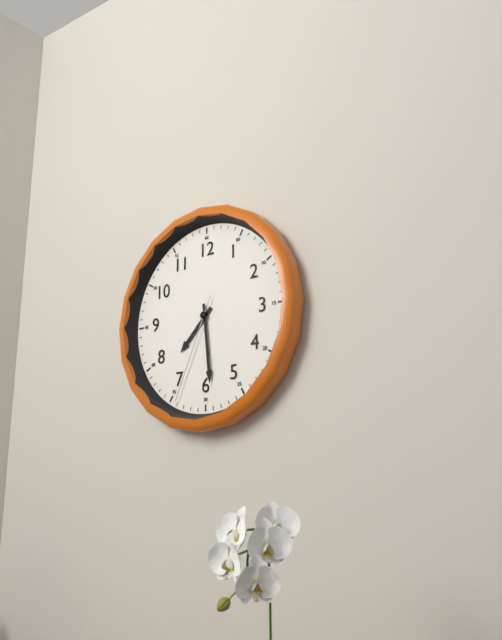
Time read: 7,29,34
